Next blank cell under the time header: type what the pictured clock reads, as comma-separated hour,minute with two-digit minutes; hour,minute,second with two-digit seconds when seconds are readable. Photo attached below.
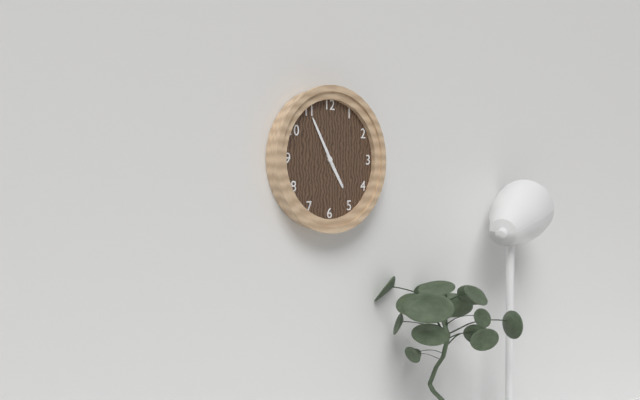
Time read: 4,55
